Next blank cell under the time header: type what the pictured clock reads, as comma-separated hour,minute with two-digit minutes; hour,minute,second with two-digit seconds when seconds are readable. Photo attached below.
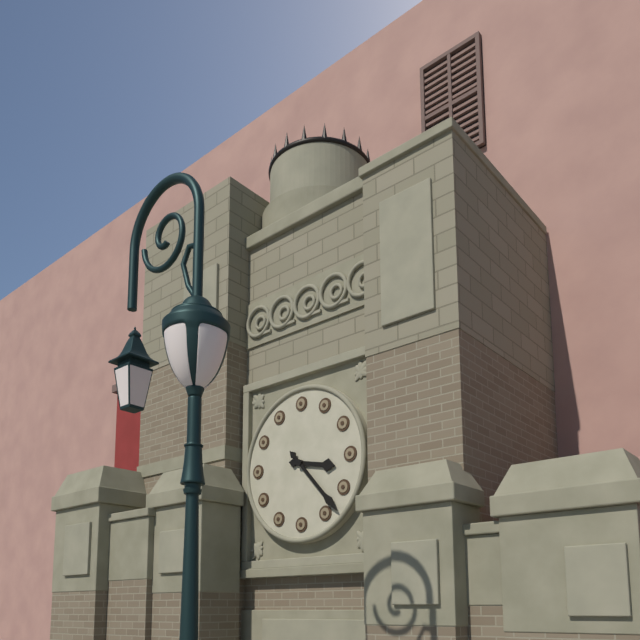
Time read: 3,23
